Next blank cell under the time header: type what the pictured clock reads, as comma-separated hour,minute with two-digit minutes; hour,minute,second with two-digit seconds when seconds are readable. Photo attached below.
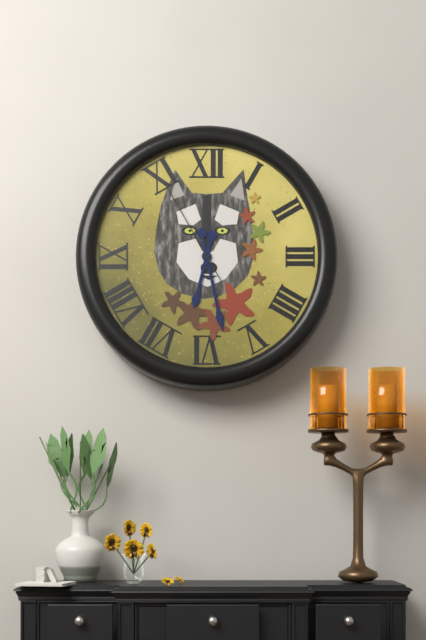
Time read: 6,28,55
